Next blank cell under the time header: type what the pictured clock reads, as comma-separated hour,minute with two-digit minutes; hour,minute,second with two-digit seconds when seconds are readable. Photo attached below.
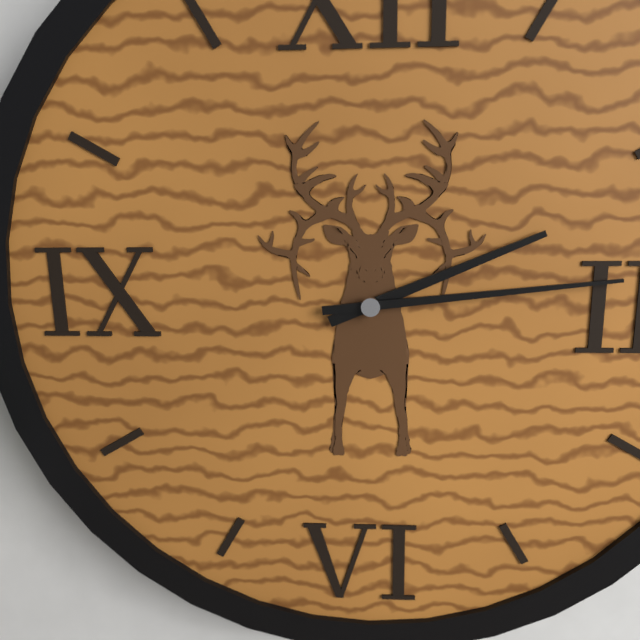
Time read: 2,14
